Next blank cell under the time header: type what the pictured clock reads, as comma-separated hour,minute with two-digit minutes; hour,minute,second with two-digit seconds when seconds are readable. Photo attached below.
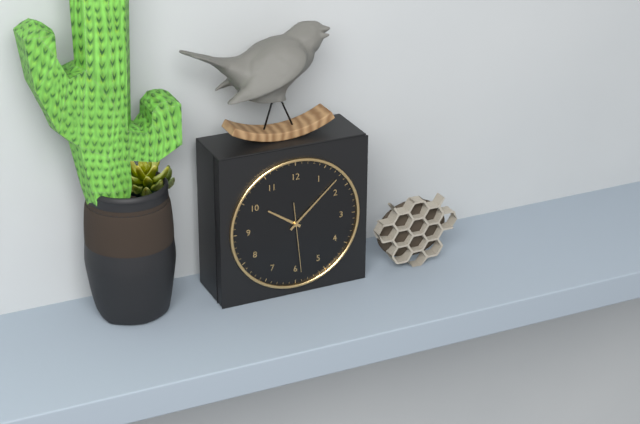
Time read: 10,08,29
